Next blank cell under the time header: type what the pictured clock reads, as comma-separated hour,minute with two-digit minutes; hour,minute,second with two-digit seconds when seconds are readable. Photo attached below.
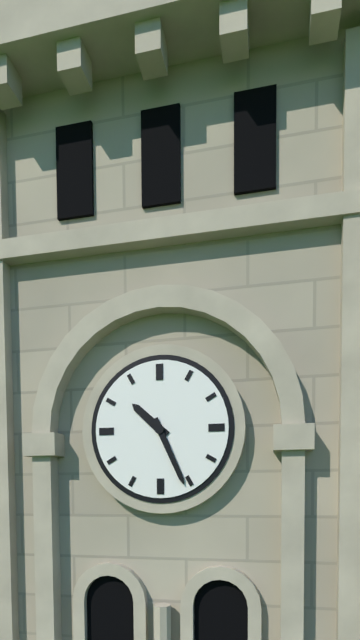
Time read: 10,26
